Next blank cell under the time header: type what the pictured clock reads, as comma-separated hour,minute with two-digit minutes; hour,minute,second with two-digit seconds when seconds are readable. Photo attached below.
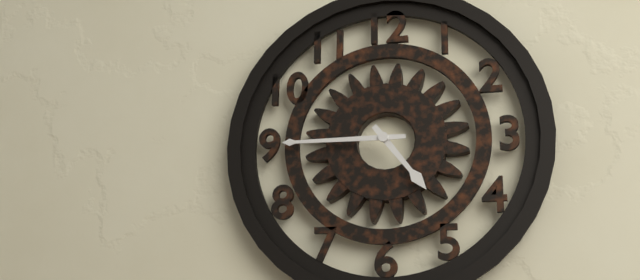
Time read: 4,45
